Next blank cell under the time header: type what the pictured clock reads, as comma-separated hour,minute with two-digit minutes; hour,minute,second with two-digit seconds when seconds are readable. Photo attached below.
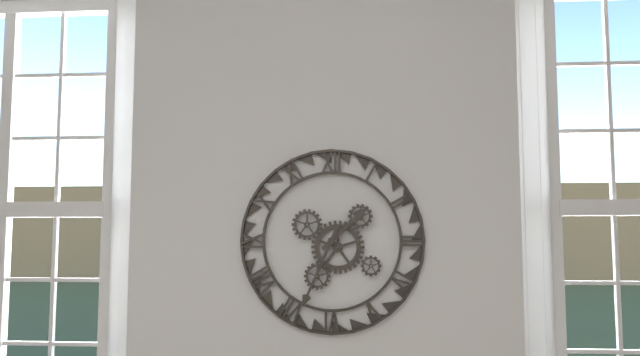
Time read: 1,34
